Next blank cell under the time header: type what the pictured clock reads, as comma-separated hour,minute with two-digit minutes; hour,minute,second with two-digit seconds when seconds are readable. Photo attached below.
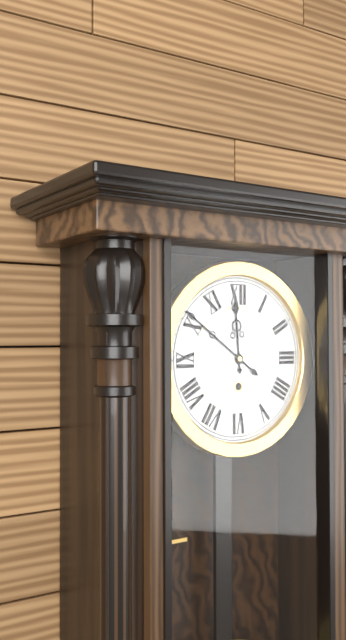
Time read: 11,51
